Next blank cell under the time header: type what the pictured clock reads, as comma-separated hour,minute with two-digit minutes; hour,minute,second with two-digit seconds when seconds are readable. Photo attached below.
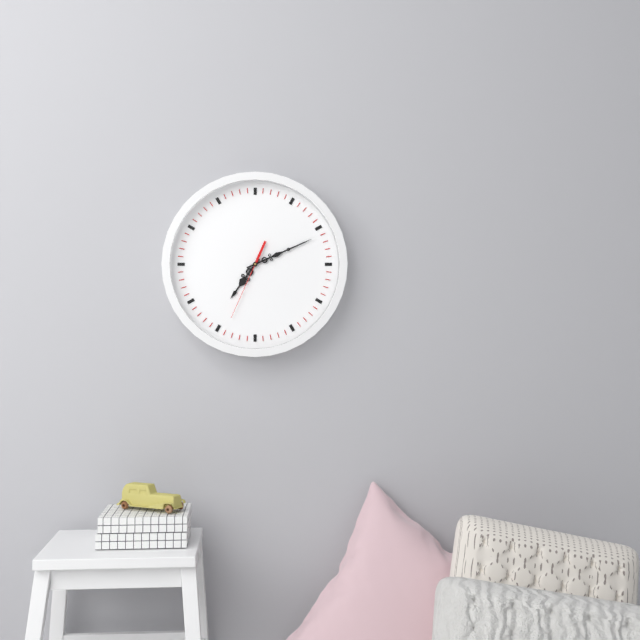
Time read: 7,11,34
